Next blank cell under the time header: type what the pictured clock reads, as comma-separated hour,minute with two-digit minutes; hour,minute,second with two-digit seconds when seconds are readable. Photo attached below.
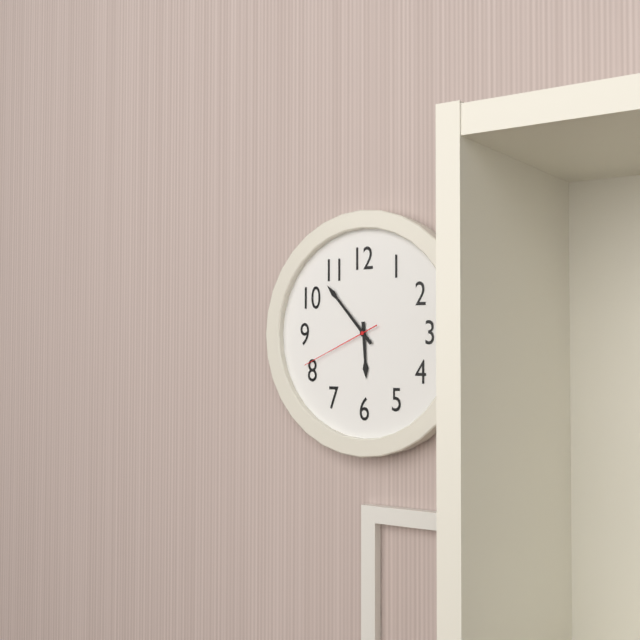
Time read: 5,53,41
